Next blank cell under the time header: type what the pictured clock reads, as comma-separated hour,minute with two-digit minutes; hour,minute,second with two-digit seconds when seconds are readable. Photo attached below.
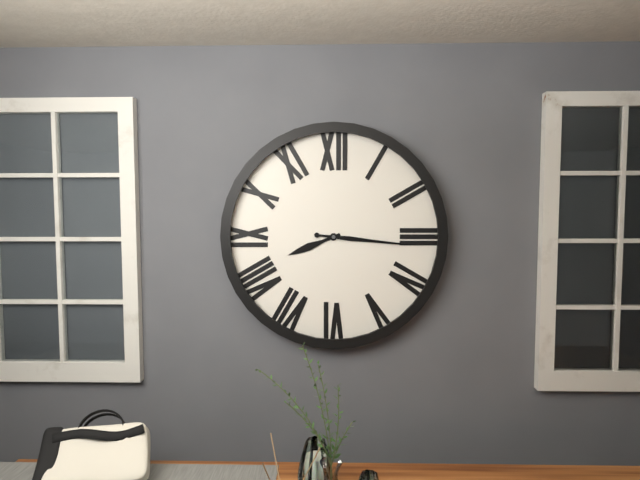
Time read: 8,16
